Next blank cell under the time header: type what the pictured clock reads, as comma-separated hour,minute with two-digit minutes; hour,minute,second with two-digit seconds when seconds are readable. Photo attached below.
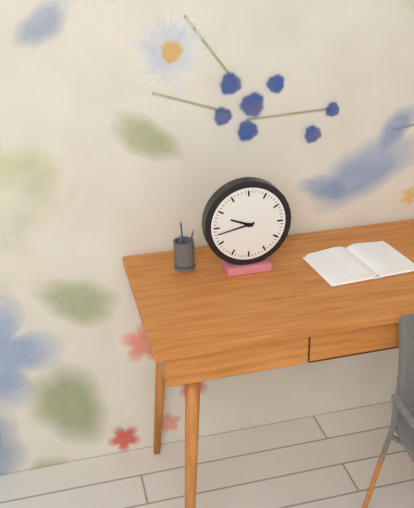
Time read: 9,43
